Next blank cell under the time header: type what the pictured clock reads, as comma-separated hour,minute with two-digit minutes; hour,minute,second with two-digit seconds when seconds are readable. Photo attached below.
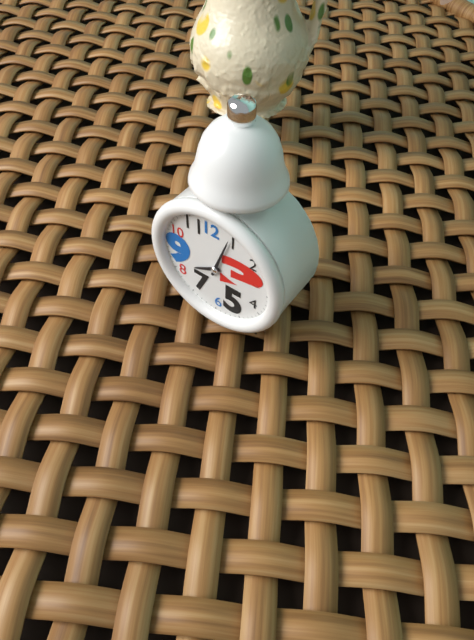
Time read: 8,03
